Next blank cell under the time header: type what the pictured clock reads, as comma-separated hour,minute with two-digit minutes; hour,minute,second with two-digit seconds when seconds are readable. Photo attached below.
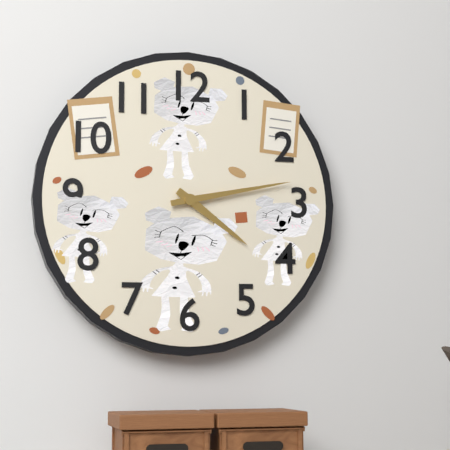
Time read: 4,13
